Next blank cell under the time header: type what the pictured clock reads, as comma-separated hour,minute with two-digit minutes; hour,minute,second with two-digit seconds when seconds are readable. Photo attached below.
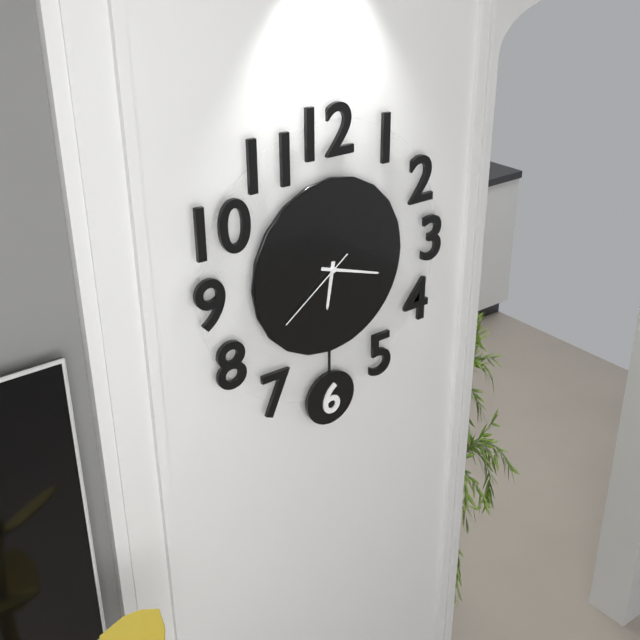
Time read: 6,18,39
